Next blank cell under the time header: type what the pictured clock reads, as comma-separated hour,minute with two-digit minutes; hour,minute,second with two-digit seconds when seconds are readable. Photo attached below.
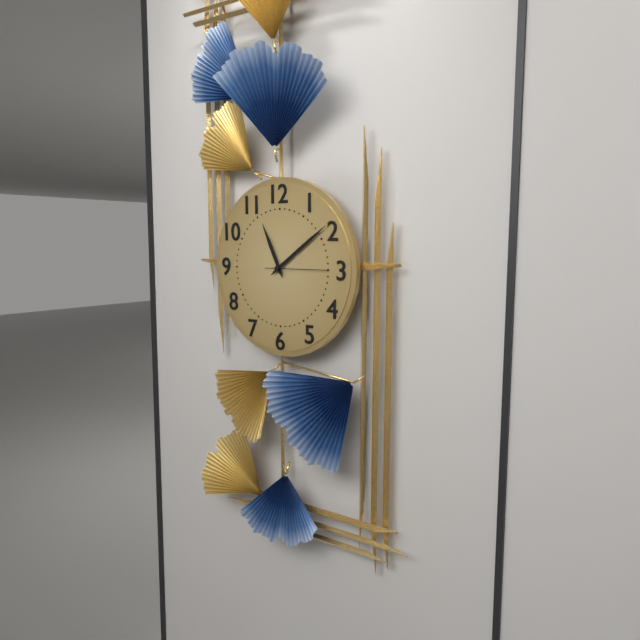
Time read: 11,09,15
